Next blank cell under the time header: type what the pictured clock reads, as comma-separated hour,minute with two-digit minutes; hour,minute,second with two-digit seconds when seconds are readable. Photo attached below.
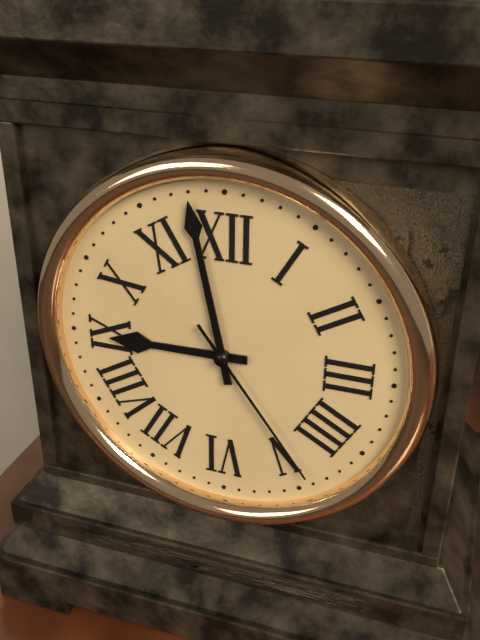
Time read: 8,58,24
